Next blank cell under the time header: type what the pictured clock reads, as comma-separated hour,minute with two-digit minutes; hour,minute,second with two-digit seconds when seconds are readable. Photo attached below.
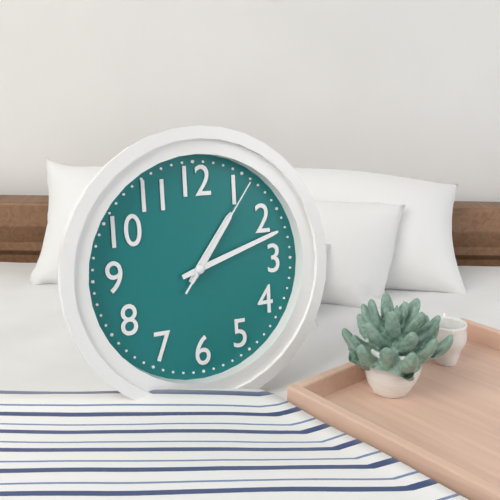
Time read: 1,12,06
